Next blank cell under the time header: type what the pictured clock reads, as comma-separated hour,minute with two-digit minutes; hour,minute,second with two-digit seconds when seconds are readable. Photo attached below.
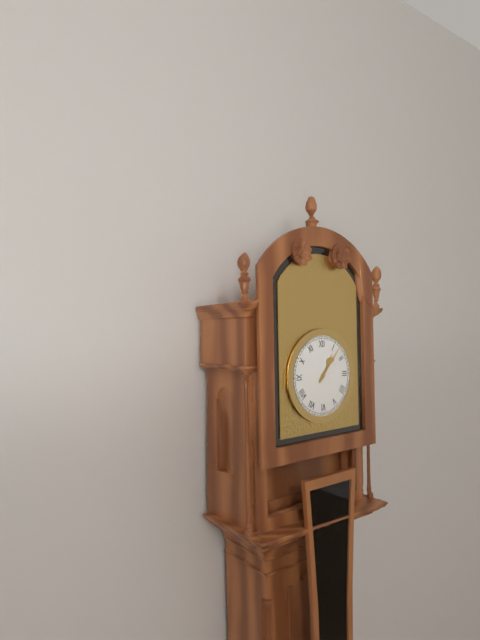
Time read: 1,07
